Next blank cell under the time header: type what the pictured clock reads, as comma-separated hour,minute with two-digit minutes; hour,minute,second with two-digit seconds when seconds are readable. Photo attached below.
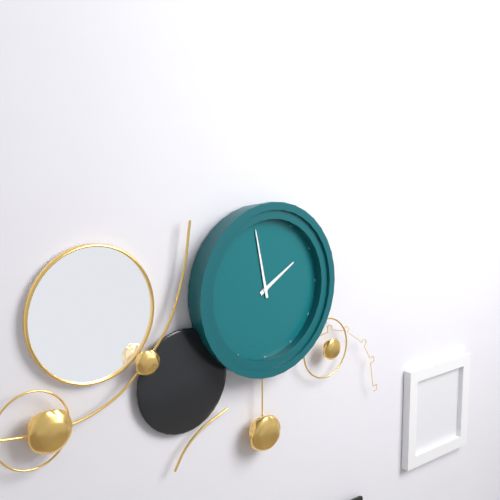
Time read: 1,58
